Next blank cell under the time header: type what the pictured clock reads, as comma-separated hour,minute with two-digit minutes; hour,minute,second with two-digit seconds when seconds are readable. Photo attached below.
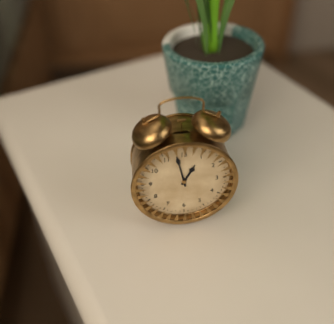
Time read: 12,58
